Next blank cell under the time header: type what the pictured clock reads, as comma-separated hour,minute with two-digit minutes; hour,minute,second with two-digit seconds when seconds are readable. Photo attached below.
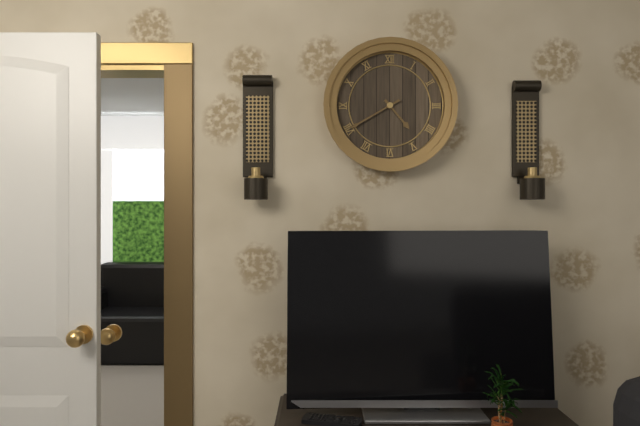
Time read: 4,40
